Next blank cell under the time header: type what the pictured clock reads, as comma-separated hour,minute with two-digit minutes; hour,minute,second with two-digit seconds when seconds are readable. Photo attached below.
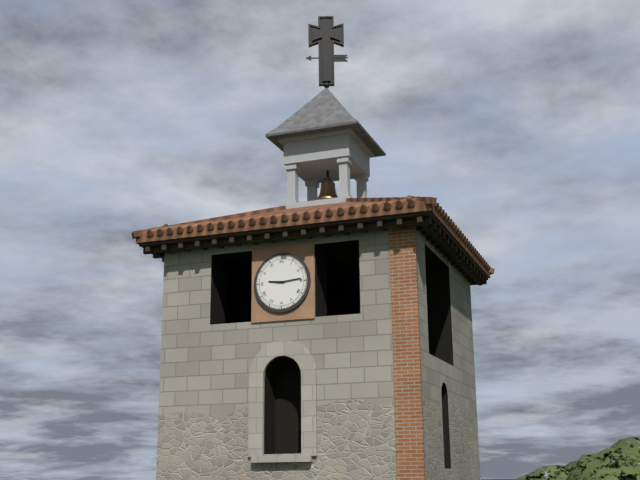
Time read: 9,14
